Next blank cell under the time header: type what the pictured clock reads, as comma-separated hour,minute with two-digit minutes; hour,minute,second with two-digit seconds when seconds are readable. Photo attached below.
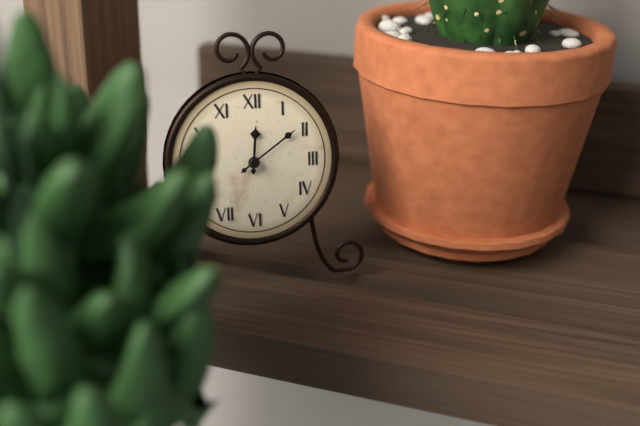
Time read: 12,09
